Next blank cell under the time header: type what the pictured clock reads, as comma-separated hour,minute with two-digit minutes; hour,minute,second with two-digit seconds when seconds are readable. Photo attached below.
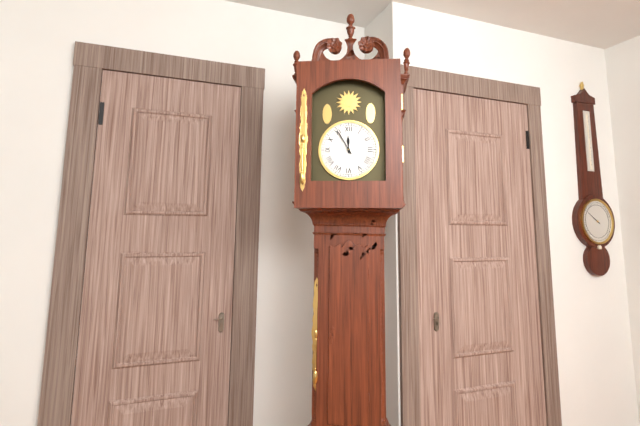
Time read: 11,55
